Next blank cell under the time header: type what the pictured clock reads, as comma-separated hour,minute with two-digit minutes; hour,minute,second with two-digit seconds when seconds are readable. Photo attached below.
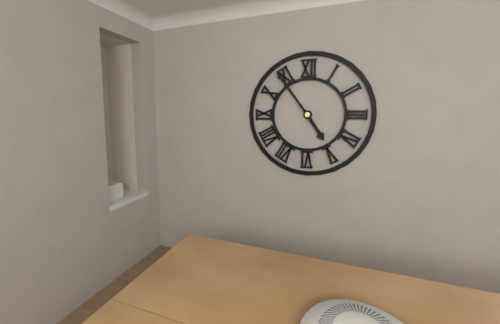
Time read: 4,54
